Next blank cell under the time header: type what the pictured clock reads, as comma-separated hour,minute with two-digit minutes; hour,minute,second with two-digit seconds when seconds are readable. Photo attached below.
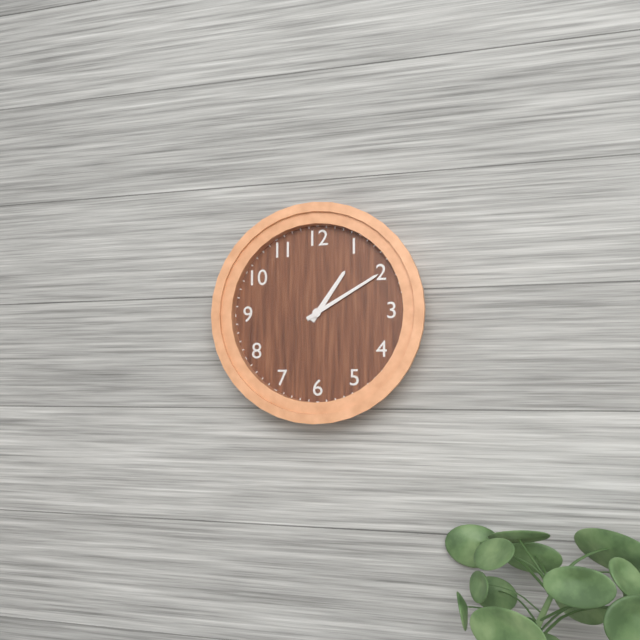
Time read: 1,10
